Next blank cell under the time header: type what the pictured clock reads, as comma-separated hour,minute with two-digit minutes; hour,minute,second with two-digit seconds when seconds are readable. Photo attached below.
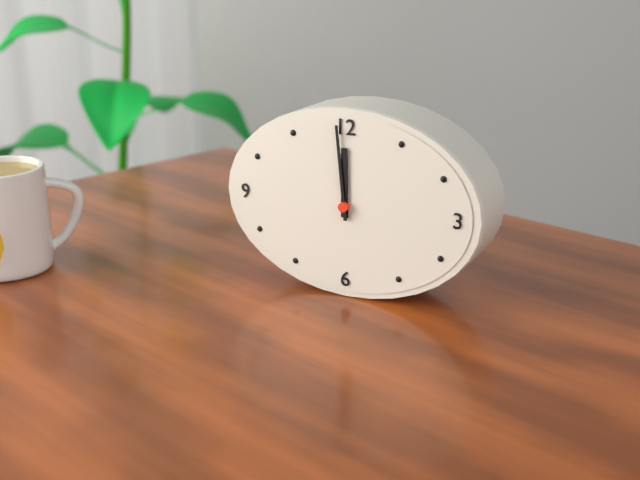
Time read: 11,59
